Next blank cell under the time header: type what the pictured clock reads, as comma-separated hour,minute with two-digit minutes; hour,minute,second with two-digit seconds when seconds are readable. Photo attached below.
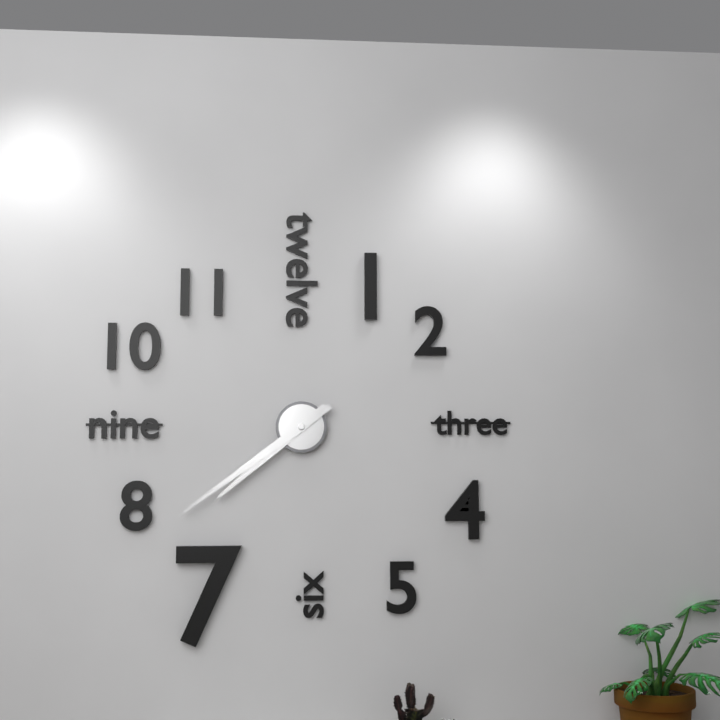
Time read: 7,39
